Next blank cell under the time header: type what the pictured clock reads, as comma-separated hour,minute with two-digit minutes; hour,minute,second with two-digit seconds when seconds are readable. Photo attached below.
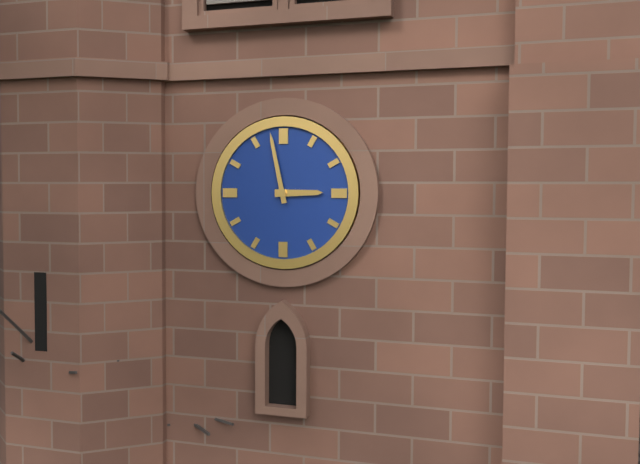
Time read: 2,58
